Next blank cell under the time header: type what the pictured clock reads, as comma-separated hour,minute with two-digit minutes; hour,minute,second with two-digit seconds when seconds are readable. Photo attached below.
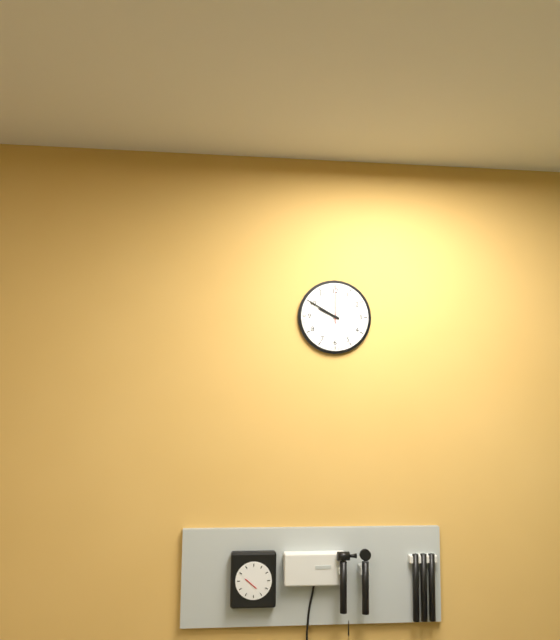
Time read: 9,50
